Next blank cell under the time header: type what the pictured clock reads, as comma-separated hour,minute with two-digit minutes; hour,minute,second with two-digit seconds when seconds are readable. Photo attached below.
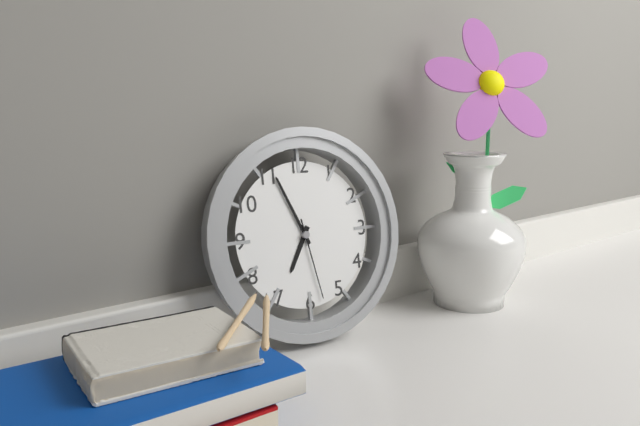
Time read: 6,56,28
